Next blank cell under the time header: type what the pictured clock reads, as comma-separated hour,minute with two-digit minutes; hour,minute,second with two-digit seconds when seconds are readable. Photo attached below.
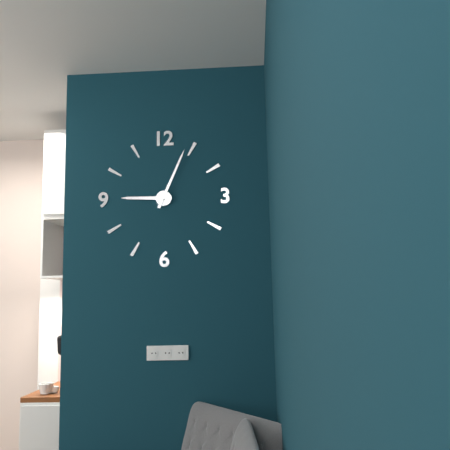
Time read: 9,04
